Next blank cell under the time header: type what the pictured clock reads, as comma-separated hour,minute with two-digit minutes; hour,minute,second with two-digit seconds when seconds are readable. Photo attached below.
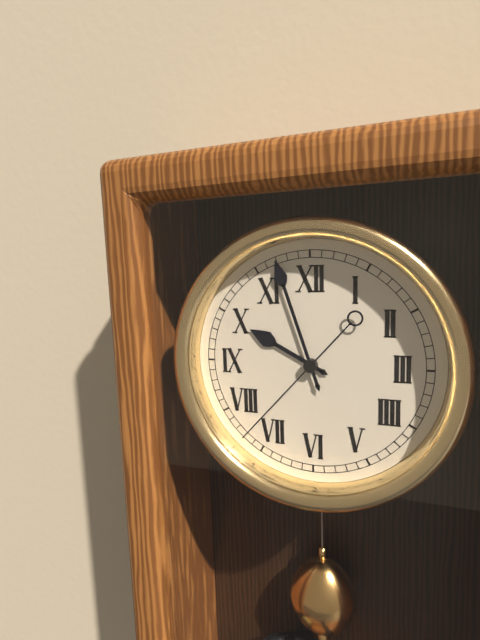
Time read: 9,57,37
